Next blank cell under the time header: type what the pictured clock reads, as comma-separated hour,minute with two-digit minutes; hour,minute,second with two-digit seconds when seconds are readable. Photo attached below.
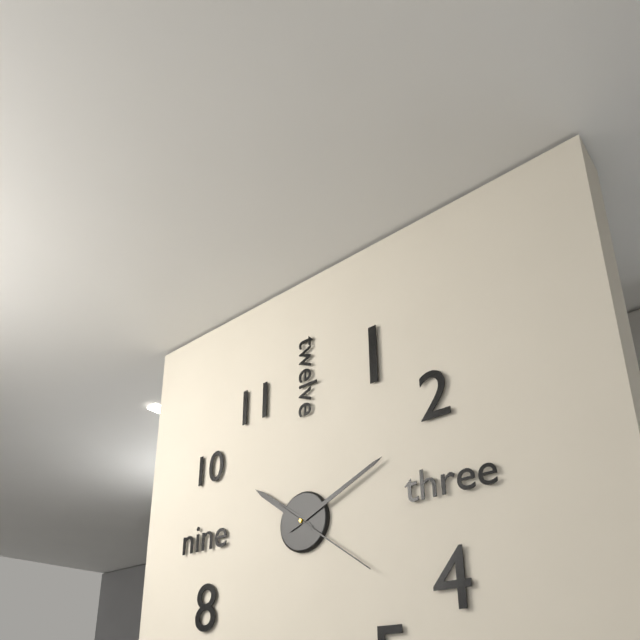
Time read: 10,11,21
